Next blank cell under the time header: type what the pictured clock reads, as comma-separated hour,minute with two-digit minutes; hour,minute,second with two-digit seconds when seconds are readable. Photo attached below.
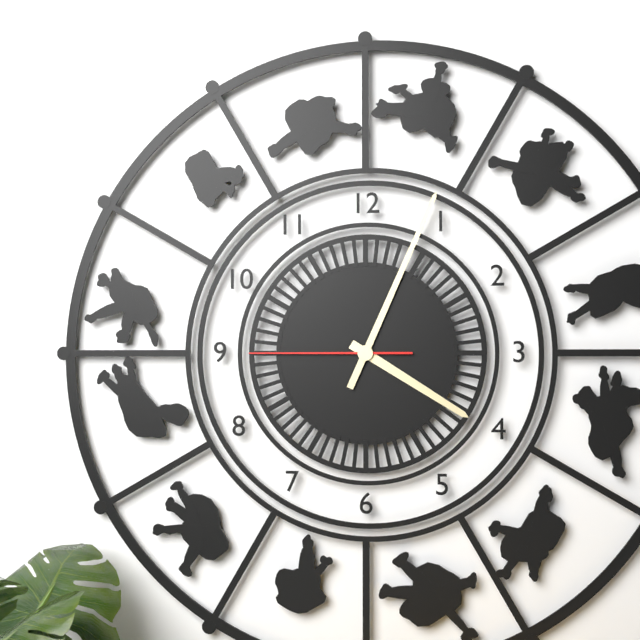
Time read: 4,04,45
